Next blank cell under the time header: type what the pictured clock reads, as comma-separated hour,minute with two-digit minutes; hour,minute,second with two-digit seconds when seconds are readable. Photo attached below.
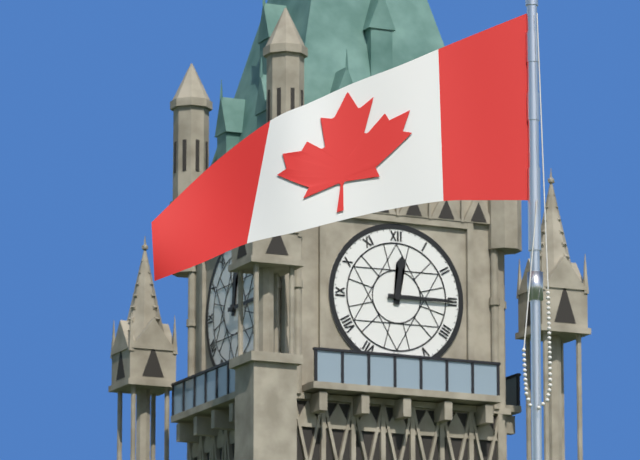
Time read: 12,15
